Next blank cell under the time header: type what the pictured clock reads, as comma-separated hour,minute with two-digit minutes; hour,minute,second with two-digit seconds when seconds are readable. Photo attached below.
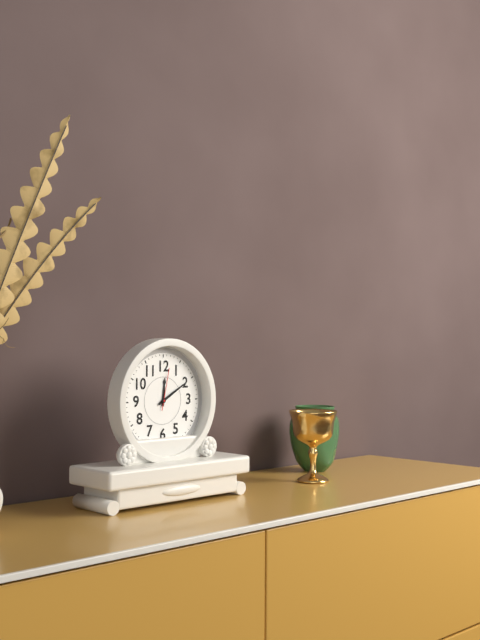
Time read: 12,10
